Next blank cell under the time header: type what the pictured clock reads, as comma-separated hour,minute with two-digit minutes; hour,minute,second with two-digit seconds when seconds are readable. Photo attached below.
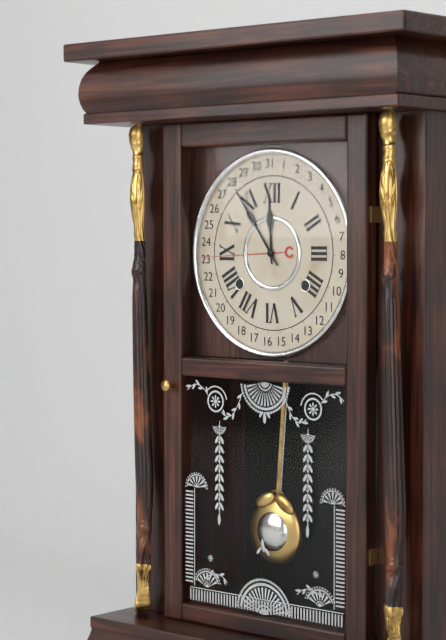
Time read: 11,54
